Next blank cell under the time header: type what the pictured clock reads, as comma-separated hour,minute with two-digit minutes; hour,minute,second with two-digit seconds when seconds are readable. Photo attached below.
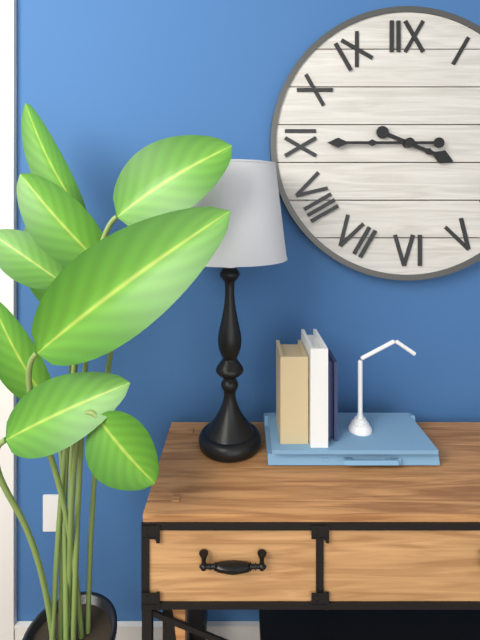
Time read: 3,45
